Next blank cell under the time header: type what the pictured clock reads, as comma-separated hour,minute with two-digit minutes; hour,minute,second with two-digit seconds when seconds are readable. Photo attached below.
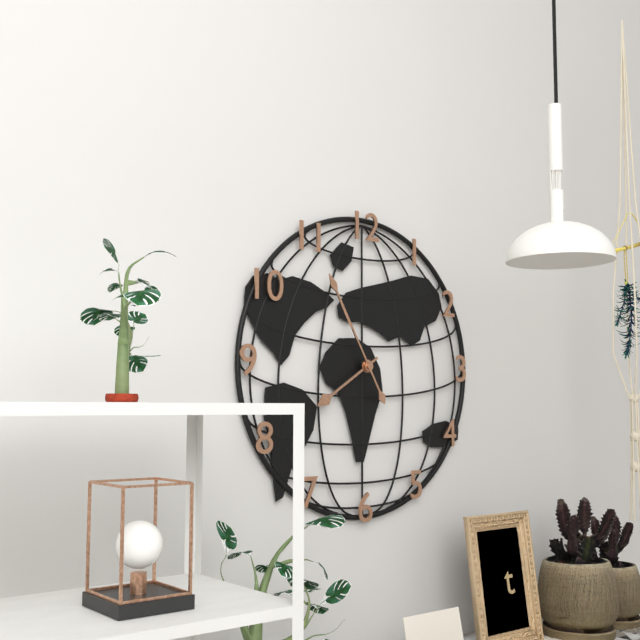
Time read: 7,55
